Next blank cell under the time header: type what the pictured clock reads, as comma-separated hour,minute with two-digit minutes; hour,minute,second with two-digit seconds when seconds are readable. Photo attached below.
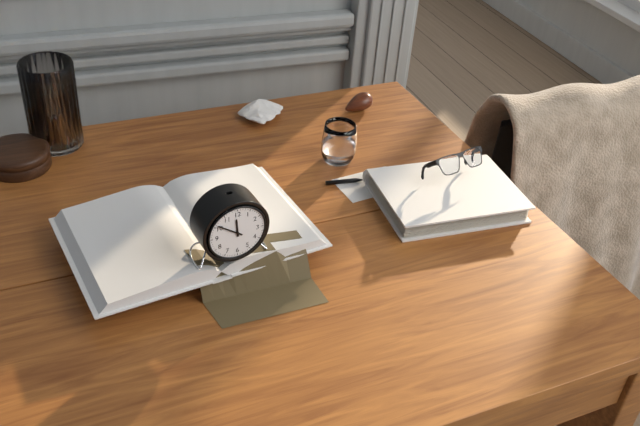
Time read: 11,51
